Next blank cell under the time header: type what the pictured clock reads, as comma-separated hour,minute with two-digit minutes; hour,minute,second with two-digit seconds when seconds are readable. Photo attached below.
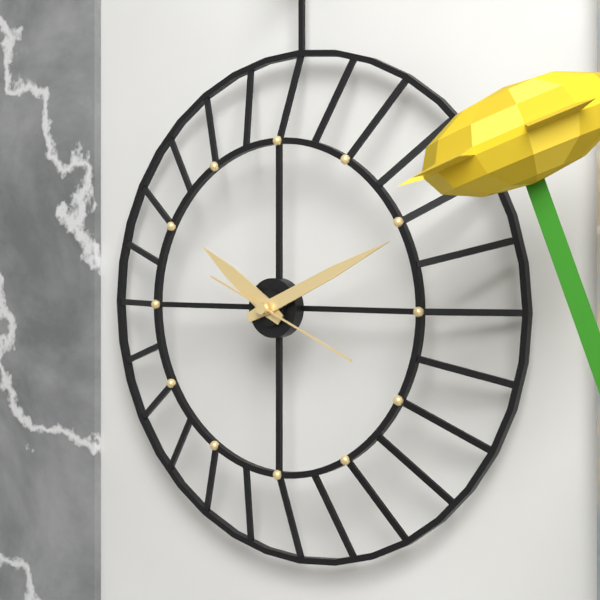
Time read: 10,11,19
